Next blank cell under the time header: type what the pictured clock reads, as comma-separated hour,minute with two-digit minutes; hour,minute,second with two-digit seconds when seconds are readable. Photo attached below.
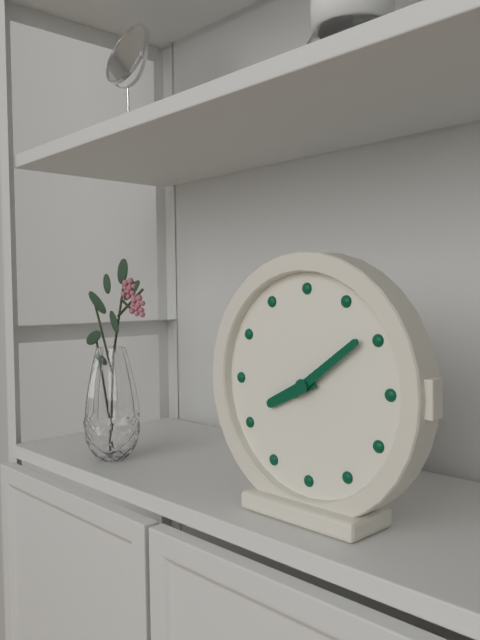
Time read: 8,09
